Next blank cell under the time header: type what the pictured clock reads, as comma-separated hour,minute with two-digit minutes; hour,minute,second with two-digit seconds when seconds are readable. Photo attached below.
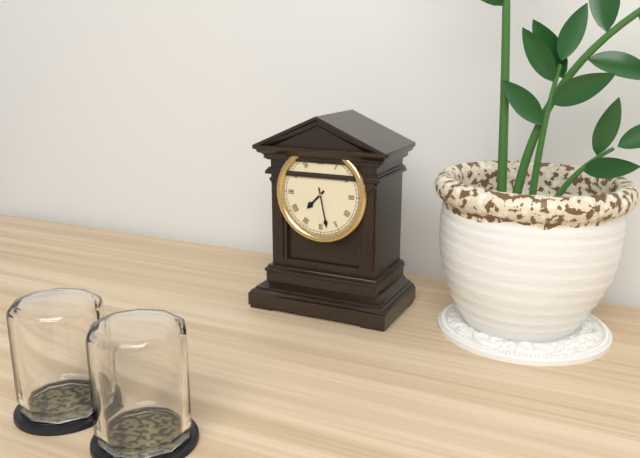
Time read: 7,28
